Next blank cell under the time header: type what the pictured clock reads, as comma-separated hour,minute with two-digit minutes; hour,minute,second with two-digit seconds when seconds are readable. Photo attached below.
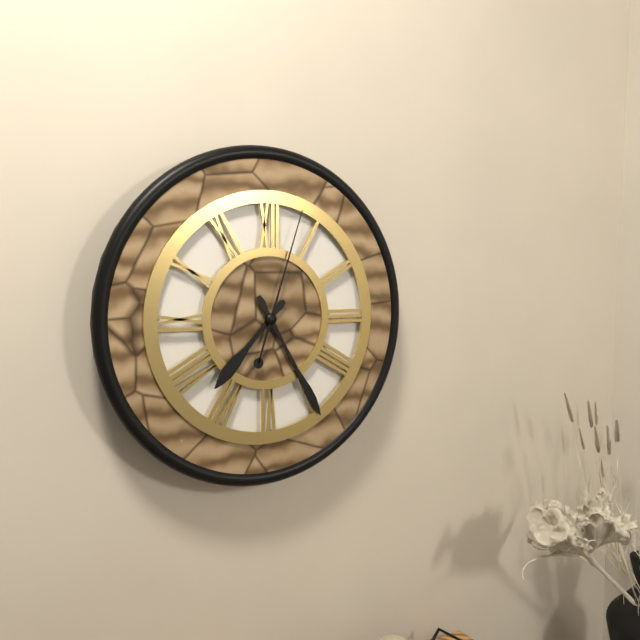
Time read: 7,25,03
